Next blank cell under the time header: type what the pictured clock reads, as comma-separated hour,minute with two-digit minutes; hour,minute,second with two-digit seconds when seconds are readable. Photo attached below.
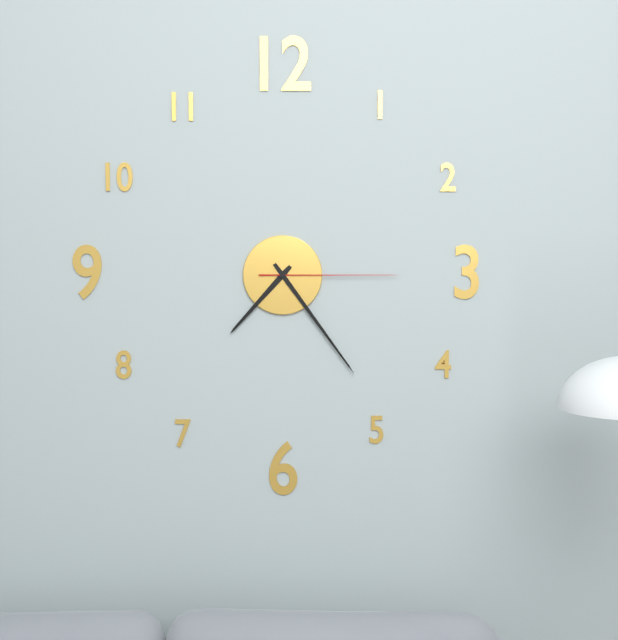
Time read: 7,24,15
